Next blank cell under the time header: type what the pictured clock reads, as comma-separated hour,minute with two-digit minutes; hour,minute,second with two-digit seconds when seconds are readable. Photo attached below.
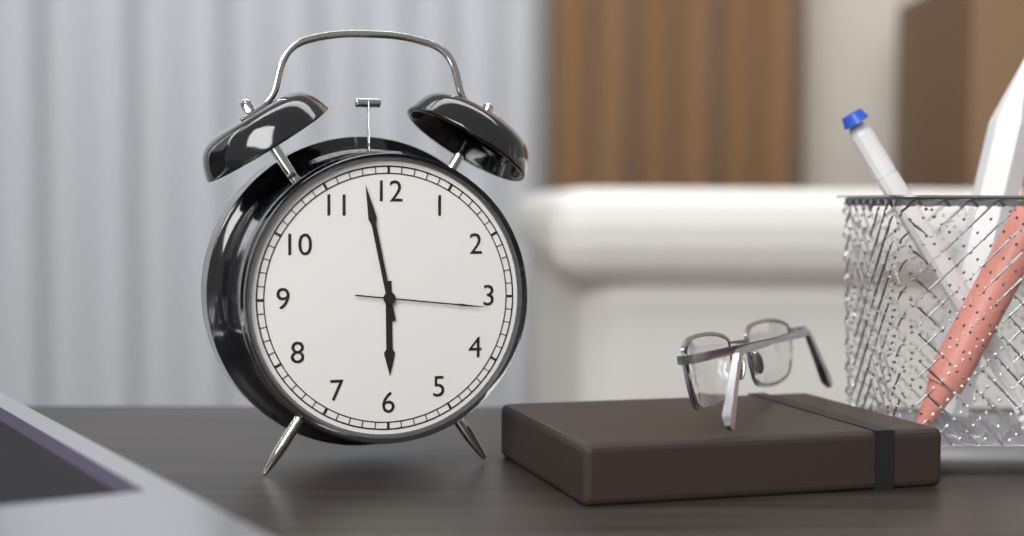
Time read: 5,58,16
